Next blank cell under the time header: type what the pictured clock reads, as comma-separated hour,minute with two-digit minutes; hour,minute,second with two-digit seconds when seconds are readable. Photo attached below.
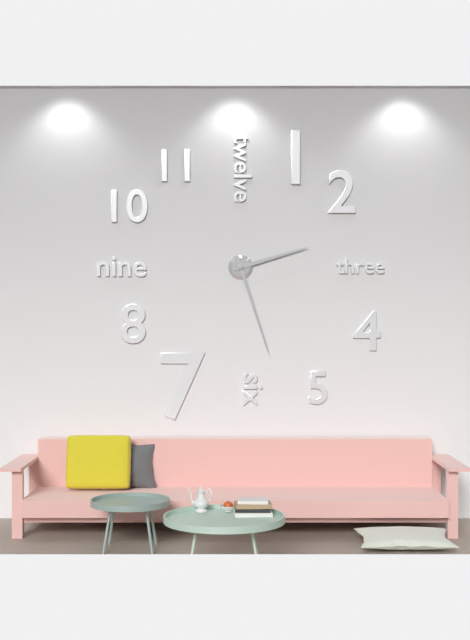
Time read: 2,27
